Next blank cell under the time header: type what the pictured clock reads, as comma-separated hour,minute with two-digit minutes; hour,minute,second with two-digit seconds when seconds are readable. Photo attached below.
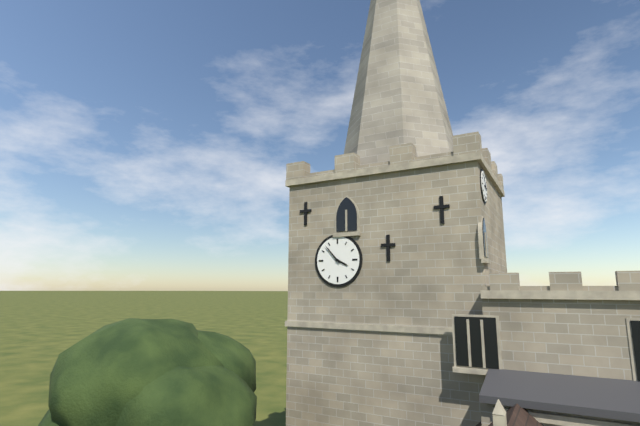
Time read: 3,53
